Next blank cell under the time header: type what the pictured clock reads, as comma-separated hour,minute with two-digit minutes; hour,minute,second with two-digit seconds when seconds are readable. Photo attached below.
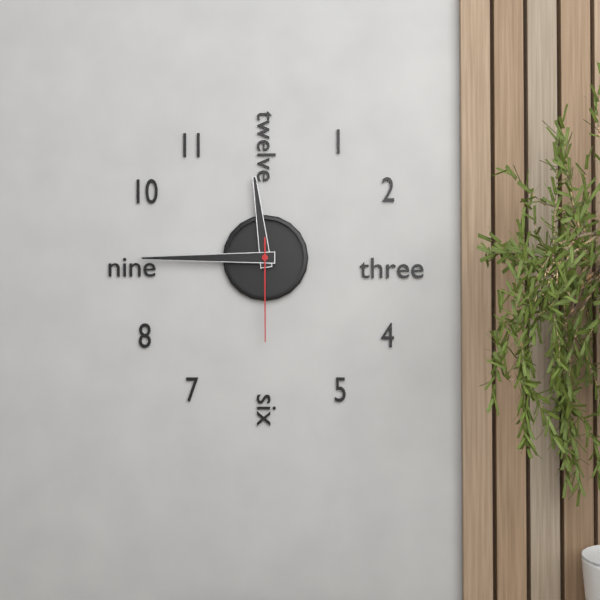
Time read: 11,45,30
